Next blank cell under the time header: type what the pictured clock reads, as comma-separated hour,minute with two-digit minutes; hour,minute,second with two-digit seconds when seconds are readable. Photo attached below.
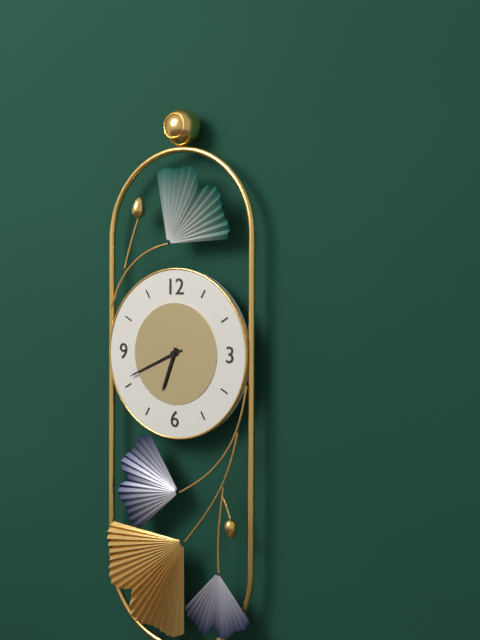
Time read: 6,41
